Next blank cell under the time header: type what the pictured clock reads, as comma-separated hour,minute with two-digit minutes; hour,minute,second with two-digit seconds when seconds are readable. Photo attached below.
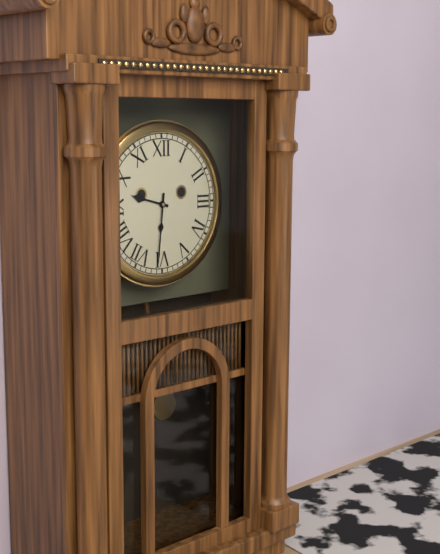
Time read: 9,31
